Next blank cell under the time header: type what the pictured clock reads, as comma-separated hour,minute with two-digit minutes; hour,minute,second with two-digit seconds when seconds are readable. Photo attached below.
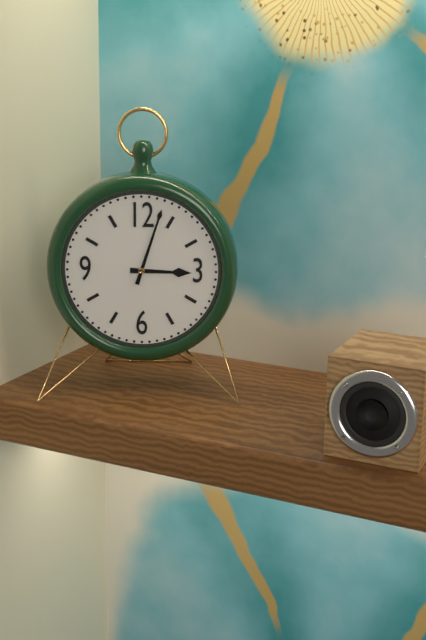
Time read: 3,03
